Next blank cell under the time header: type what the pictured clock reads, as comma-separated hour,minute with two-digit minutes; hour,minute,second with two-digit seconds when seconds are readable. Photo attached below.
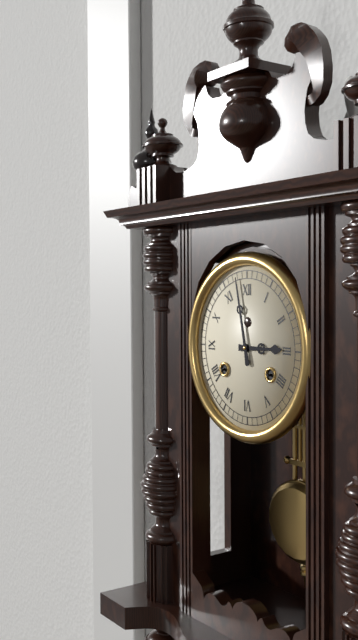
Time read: 2,58
